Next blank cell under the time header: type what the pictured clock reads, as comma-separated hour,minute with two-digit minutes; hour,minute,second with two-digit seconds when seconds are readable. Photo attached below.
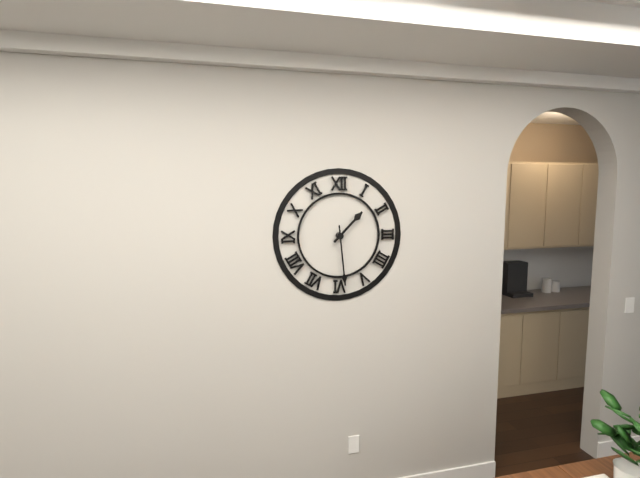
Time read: 1,29
